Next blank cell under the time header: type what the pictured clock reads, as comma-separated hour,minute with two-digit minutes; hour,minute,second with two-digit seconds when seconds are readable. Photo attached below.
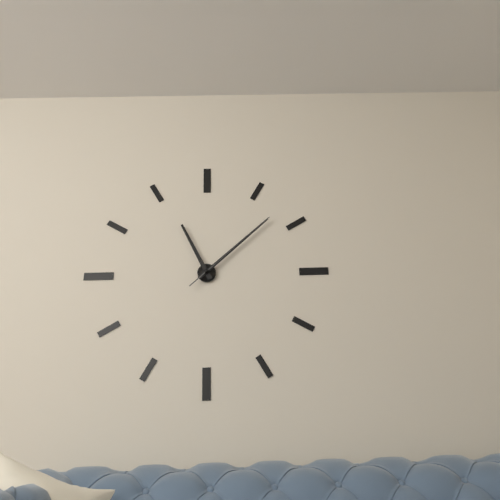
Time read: 11,08,08
